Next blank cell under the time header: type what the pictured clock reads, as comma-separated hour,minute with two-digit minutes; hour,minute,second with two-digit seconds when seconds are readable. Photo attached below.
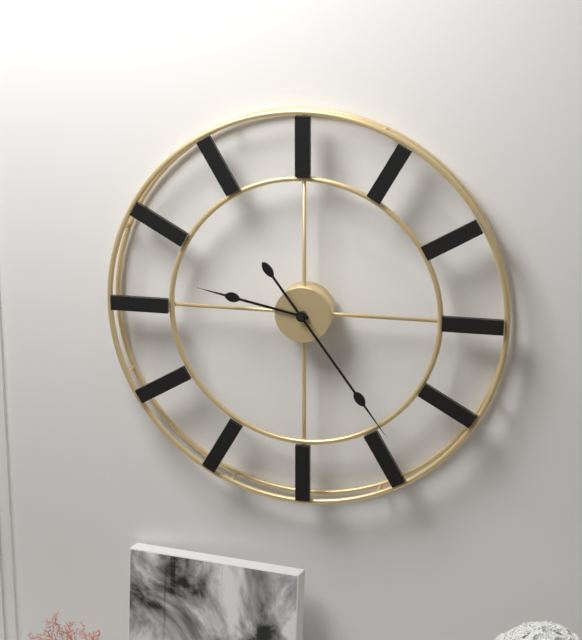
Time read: 9,24
